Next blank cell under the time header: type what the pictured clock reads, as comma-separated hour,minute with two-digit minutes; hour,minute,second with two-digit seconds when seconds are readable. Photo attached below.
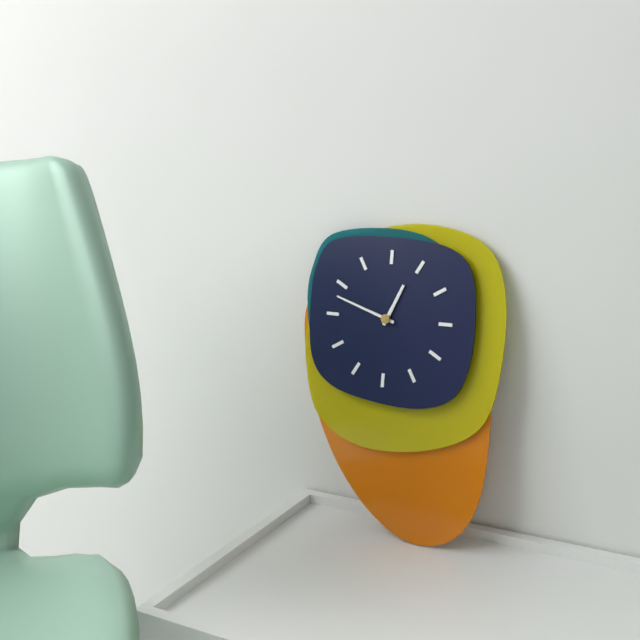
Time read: 12,48
